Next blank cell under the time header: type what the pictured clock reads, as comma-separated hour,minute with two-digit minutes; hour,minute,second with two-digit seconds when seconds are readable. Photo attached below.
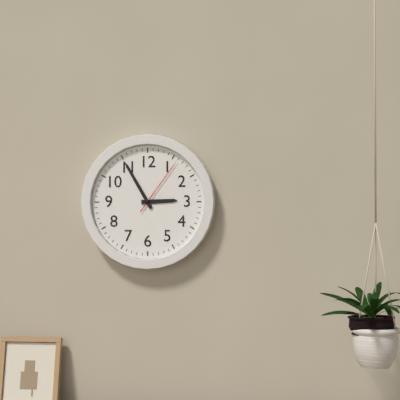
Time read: 2,55,06
